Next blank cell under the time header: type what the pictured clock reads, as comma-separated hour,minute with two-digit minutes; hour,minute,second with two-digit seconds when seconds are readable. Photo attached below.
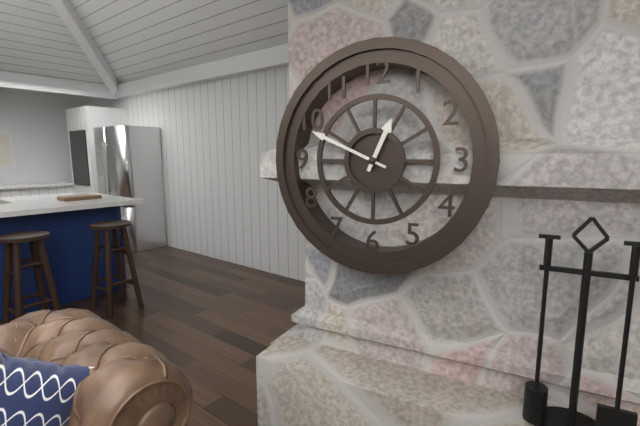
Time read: 12,49
